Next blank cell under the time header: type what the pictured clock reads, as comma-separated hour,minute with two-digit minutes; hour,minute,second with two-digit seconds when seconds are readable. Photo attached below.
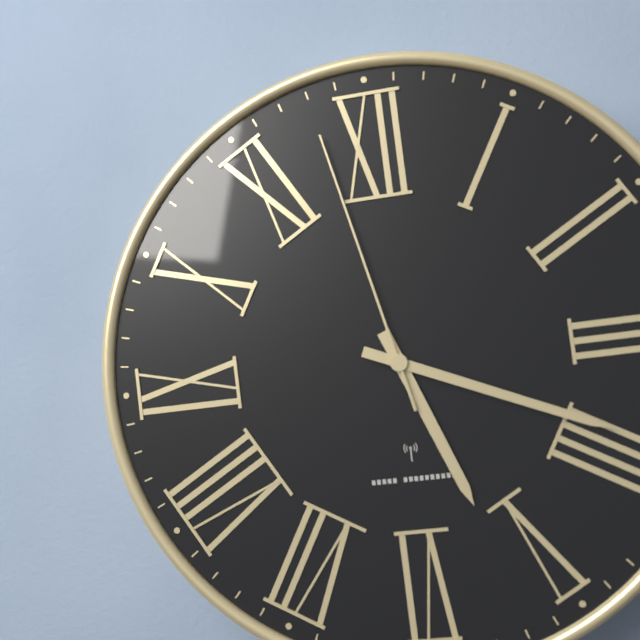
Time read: 5,19,58
